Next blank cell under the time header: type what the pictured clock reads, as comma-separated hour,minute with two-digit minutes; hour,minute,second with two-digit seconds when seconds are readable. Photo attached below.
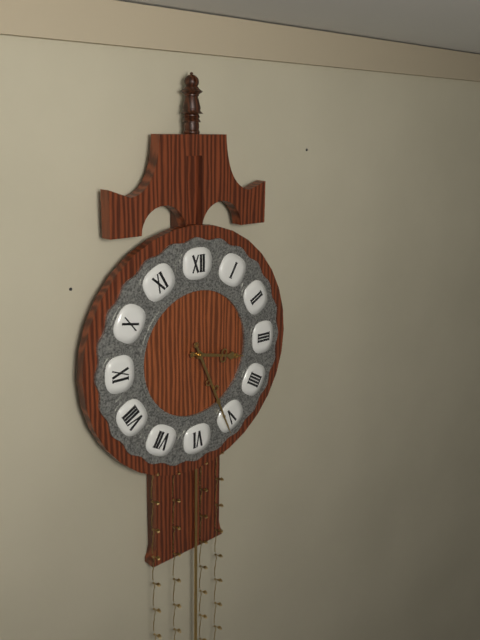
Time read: 3,26
